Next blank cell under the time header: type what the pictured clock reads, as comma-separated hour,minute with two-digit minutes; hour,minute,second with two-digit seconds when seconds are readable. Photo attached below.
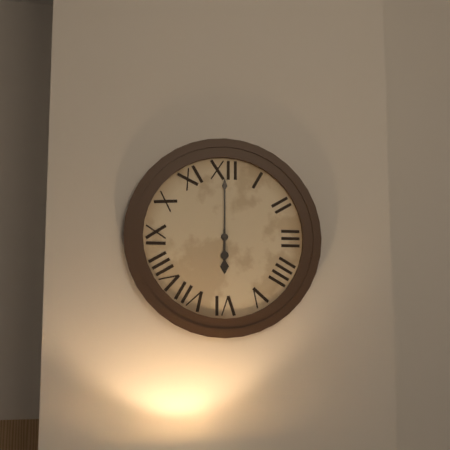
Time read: 6,00
